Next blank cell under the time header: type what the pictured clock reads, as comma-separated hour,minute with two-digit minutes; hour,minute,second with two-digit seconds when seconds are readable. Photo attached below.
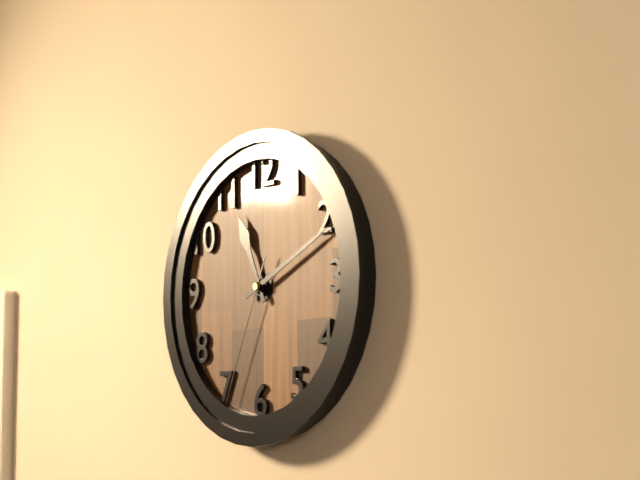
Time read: 11,11,34
